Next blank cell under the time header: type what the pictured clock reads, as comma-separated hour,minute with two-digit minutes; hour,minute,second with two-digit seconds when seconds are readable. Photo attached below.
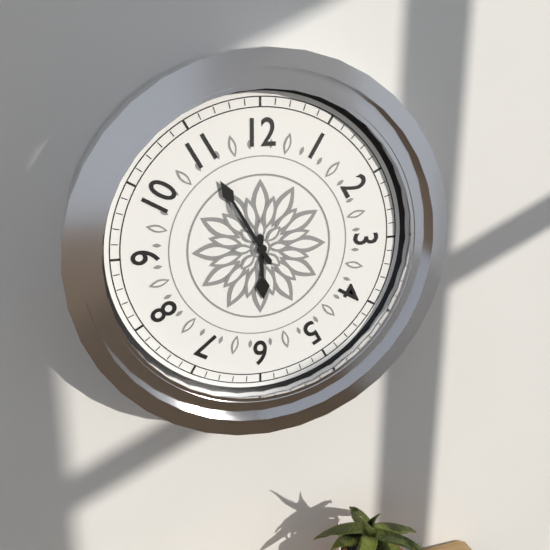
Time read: 5,55
